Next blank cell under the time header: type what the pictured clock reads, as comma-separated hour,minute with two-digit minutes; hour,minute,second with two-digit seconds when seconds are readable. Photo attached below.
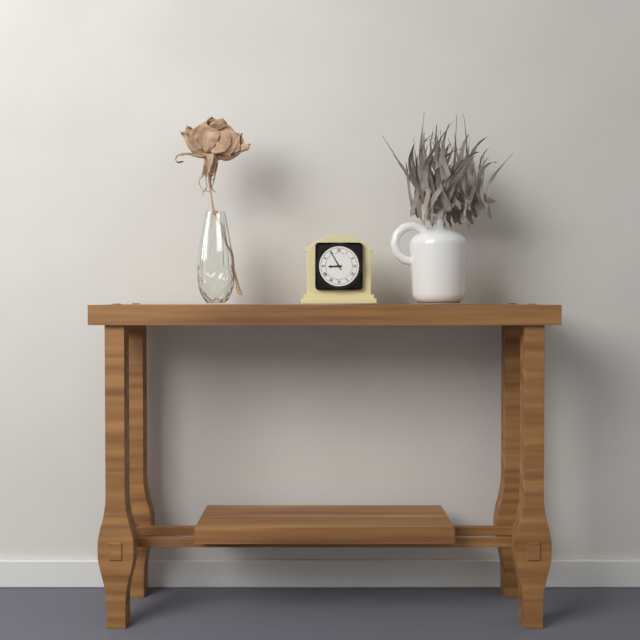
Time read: 8,55
